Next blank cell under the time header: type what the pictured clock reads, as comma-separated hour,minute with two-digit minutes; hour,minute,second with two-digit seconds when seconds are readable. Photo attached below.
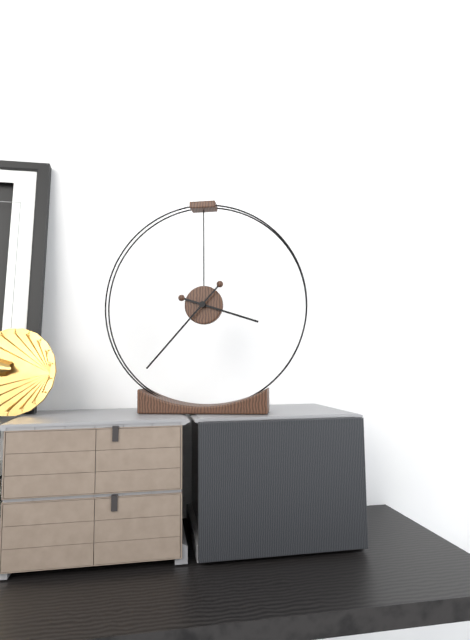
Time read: 3,37
